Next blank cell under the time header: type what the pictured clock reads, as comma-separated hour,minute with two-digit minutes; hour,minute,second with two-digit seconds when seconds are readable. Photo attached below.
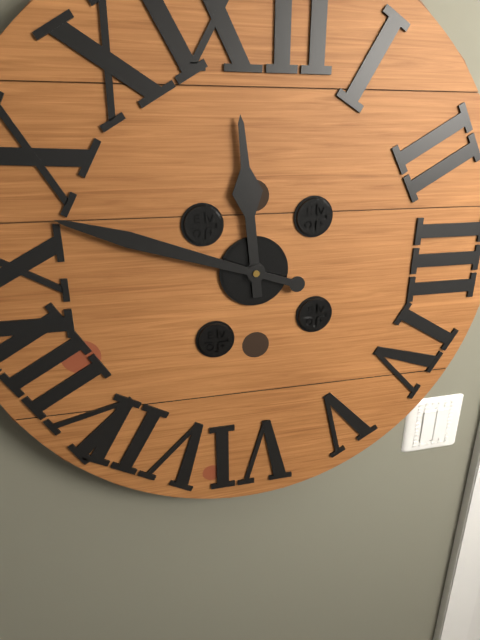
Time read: 11,48
